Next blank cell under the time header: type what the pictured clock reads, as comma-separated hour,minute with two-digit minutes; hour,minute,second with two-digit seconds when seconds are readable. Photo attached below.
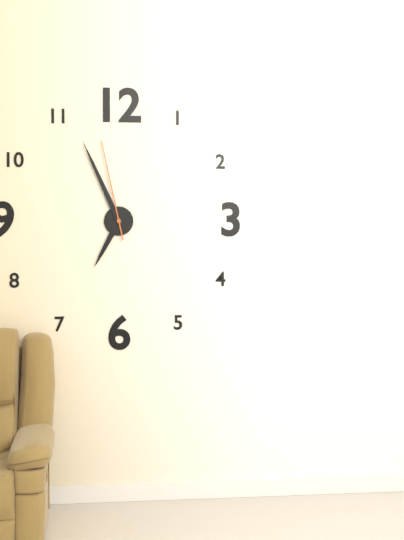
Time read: 6,56,58
